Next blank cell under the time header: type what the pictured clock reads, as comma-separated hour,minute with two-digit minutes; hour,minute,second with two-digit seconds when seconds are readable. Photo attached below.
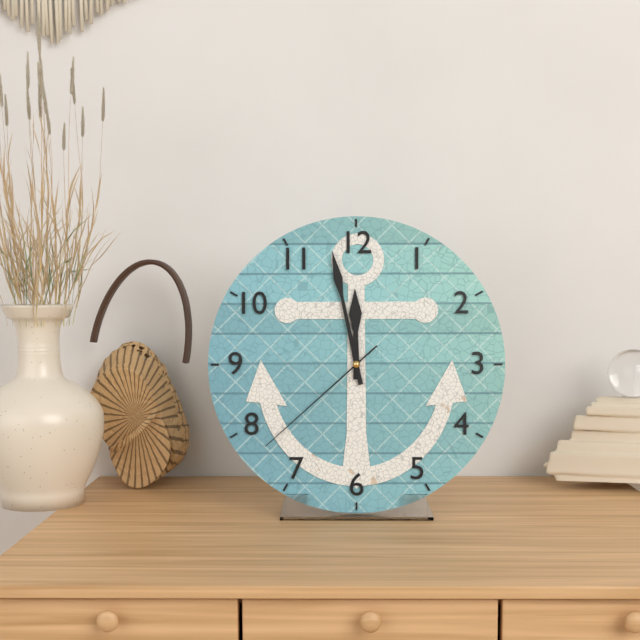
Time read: 11,58,38
